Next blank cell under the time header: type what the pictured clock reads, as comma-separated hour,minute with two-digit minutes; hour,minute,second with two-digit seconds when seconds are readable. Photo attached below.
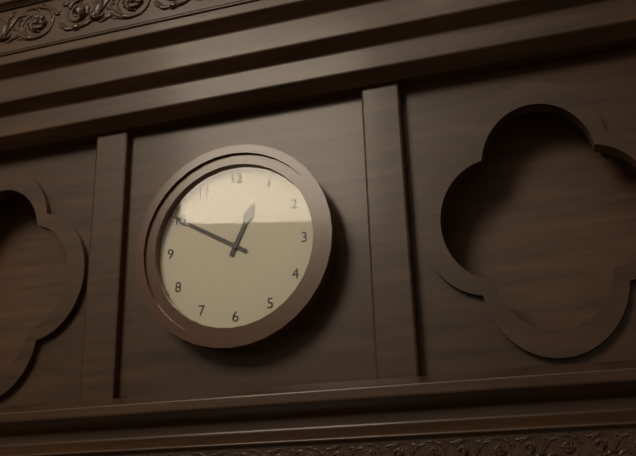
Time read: 12,50
